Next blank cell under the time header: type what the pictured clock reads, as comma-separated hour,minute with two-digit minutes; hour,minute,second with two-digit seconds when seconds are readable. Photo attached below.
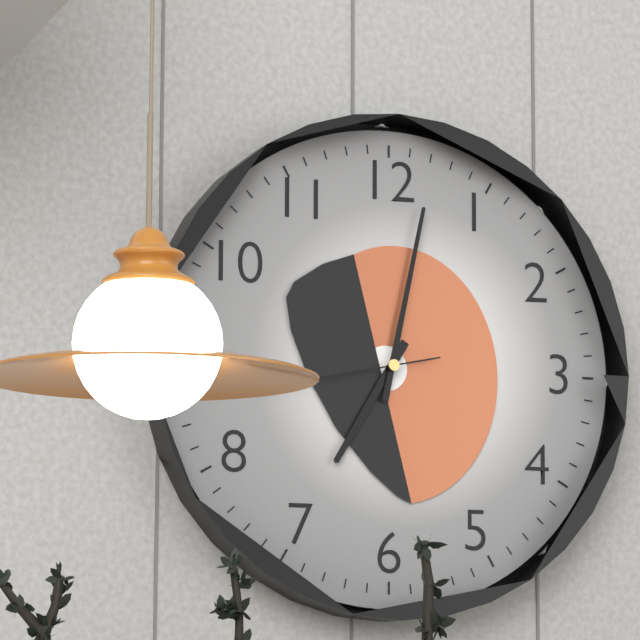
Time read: 7,02
